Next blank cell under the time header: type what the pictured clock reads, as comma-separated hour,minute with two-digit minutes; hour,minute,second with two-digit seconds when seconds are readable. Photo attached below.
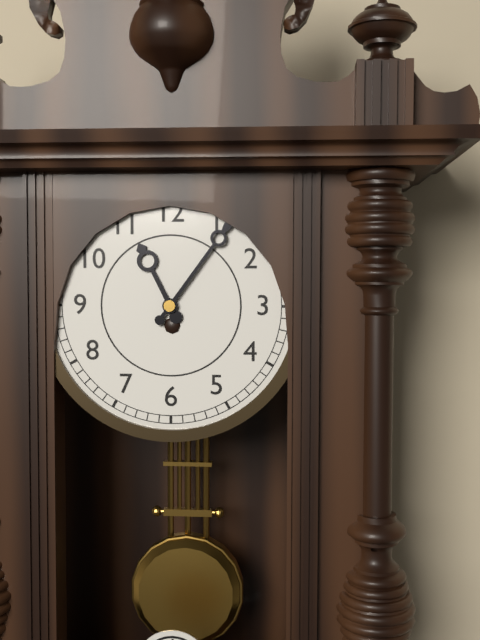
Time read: 11,06
